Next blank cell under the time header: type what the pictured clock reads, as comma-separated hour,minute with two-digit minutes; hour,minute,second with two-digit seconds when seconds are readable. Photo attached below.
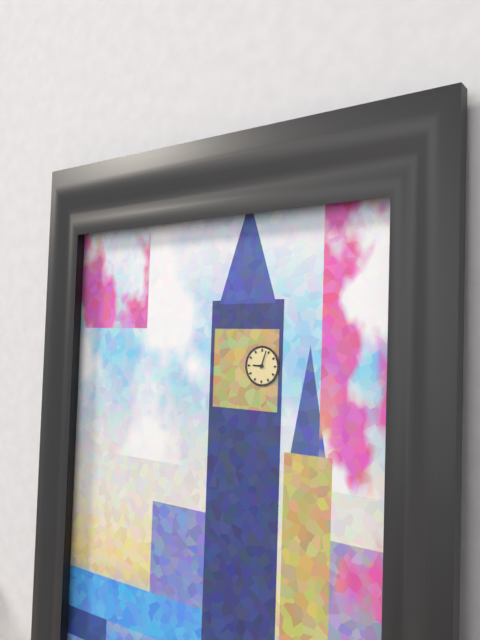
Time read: 9,03
